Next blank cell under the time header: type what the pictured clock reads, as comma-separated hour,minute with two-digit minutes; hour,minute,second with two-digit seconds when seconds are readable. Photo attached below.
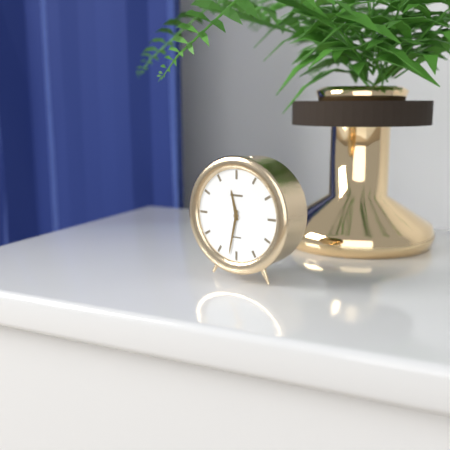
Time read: 11,32
